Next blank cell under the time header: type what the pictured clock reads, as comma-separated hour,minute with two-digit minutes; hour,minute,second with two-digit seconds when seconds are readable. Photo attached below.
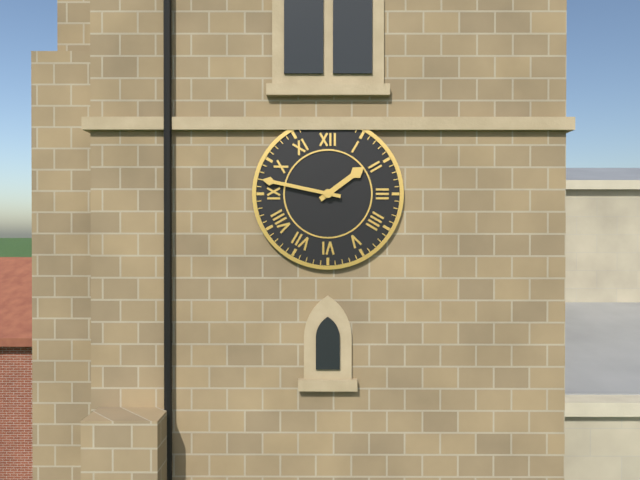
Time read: 1,47
